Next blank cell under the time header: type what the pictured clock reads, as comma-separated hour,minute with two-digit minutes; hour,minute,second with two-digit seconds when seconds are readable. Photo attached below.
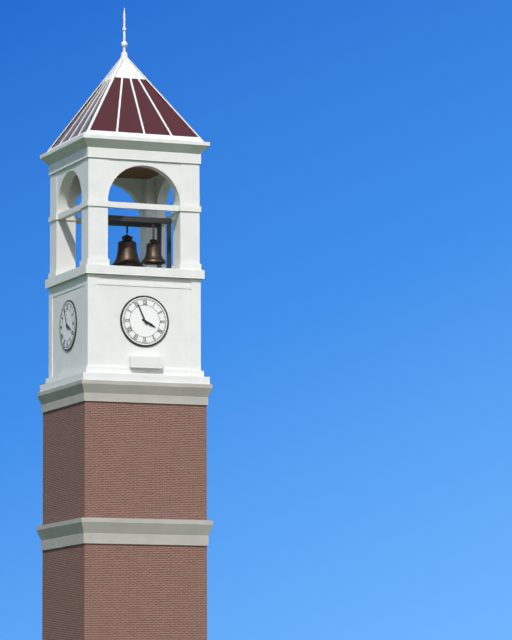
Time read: 3,56
